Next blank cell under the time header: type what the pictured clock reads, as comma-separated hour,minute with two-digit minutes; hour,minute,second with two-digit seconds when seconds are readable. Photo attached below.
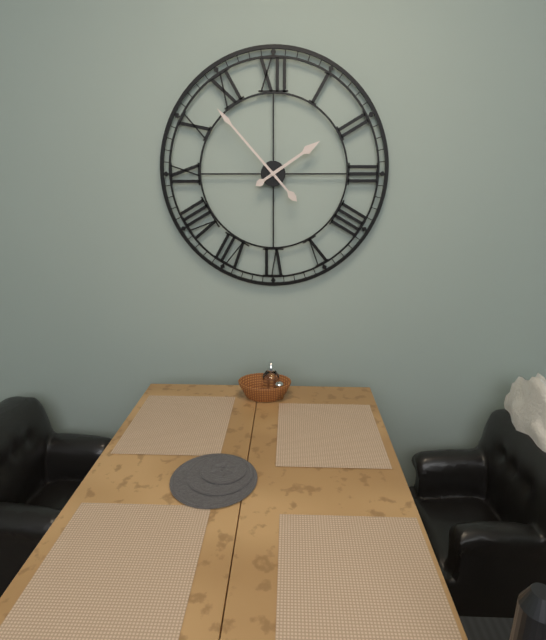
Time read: 1,53
